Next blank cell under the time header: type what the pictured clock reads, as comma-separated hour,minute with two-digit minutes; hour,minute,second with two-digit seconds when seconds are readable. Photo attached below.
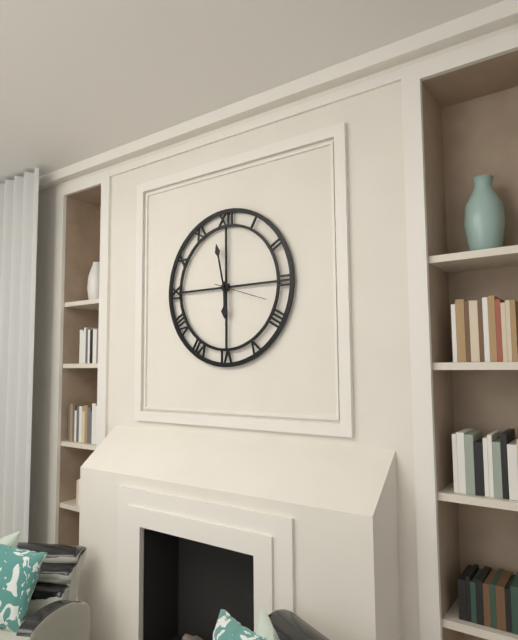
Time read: 5,58
